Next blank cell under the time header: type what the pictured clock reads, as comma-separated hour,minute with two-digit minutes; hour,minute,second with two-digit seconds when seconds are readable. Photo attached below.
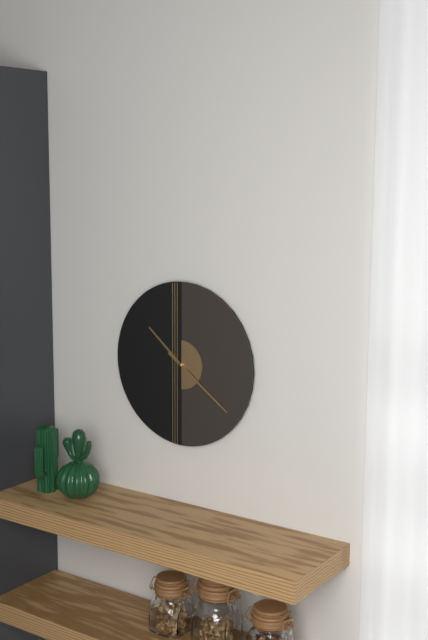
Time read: 10,21
